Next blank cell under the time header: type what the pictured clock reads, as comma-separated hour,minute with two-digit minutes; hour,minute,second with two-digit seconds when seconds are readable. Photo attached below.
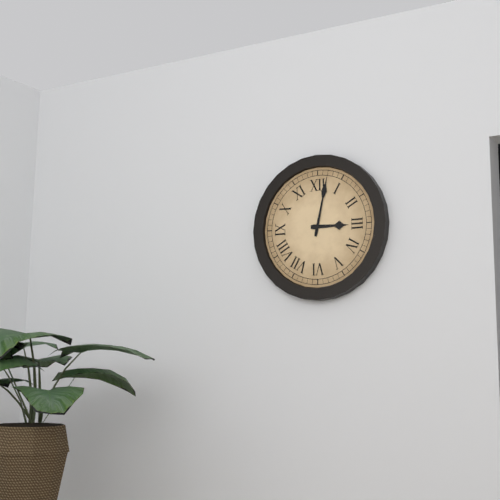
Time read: 3,02
